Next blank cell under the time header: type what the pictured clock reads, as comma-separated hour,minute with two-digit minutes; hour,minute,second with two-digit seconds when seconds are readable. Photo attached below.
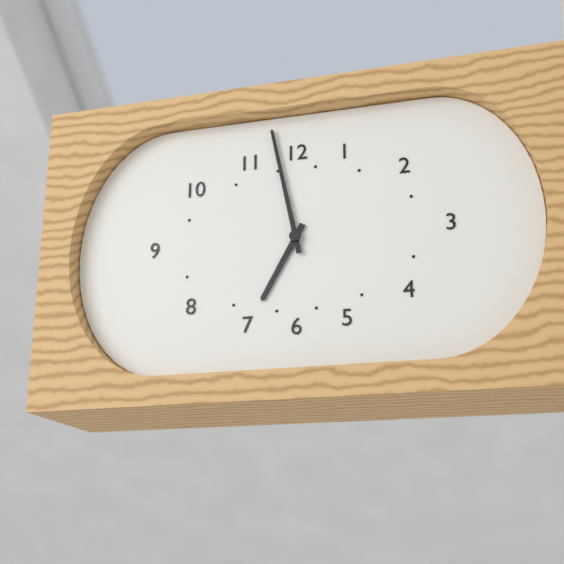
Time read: 6,58
